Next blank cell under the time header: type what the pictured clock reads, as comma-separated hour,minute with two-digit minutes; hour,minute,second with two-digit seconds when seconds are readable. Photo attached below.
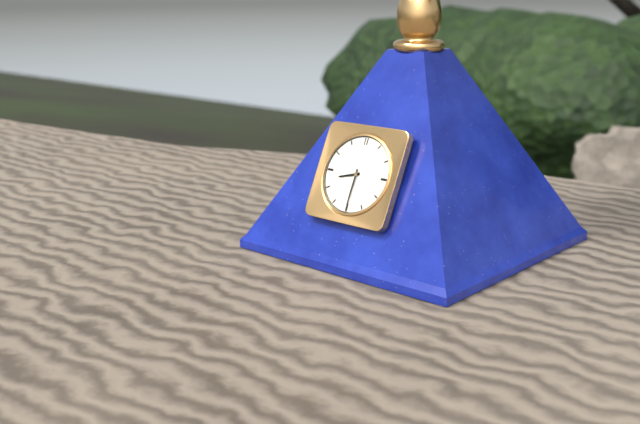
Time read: 8,30
